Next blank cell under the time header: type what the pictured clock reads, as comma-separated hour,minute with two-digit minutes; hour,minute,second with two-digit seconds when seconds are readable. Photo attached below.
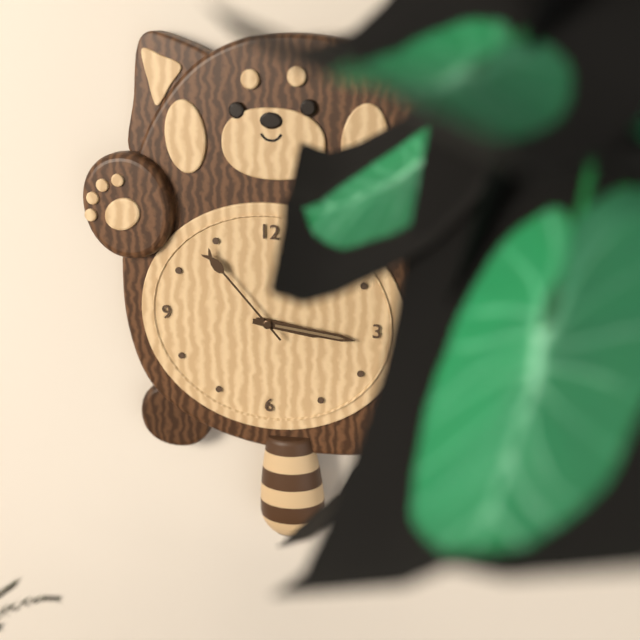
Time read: 3,16,53
